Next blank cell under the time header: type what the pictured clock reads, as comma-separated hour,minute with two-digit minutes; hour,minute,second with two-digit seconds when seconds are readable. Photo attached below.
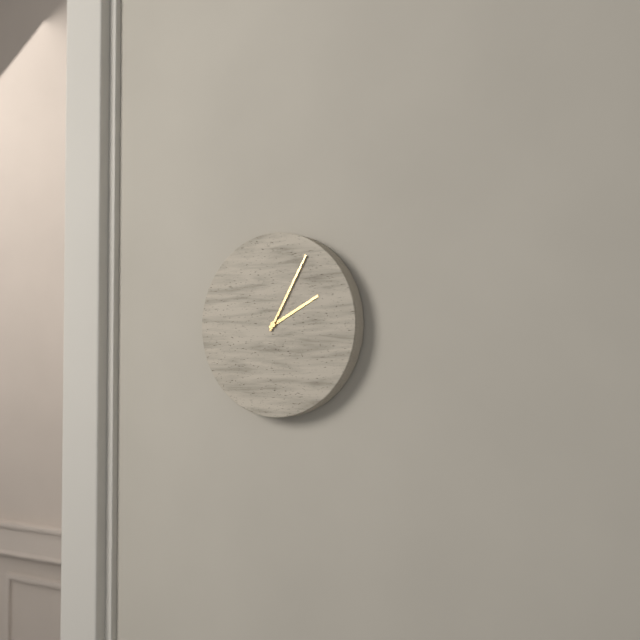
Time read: 2,05
